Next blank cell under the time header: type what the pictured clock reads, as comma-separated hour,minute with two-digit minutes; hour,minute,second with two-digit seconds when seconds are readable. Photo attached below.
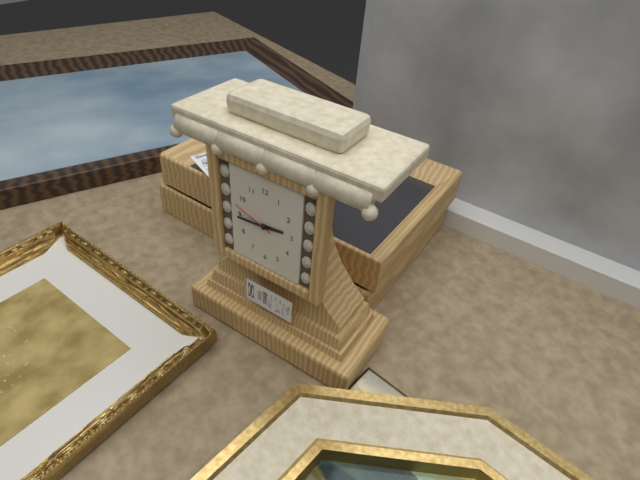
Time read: 2,44
